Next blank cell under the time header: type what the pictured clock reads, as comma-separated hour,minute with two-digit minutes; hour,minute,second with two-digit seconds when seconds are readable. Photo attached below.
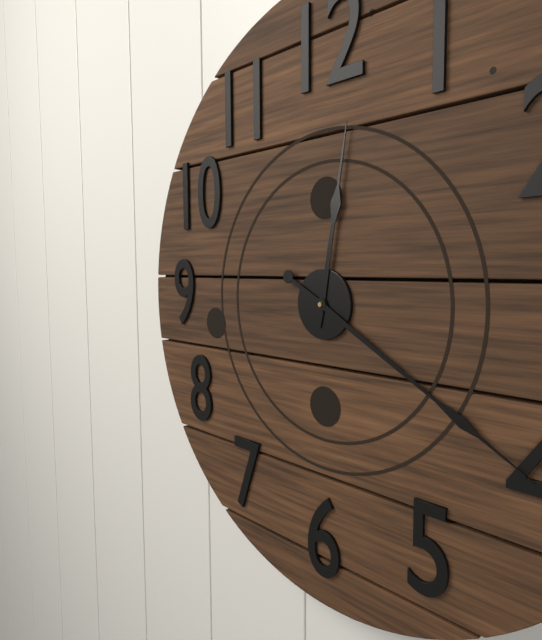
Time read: 12,20
